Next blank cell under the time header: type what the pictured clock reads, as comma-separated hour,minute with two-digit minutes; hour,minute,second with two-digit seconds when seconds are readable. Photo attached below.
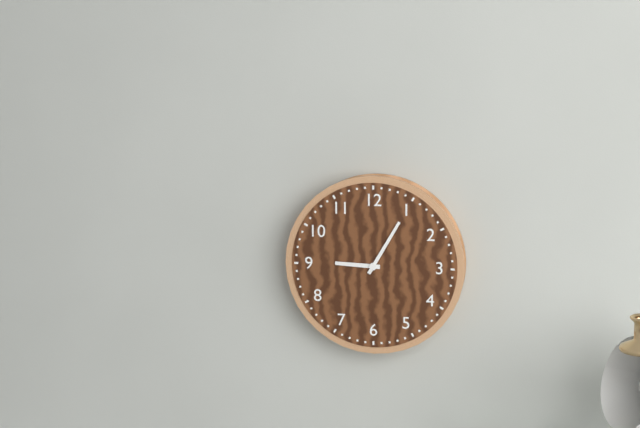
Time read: 9,05
